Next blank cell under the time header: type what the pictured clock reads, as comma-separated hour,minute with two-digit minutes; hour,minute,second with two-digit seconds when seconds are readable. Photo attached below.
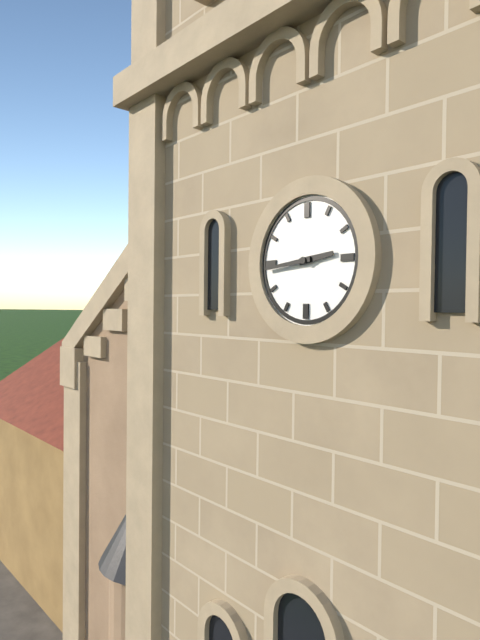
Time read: 2,44
